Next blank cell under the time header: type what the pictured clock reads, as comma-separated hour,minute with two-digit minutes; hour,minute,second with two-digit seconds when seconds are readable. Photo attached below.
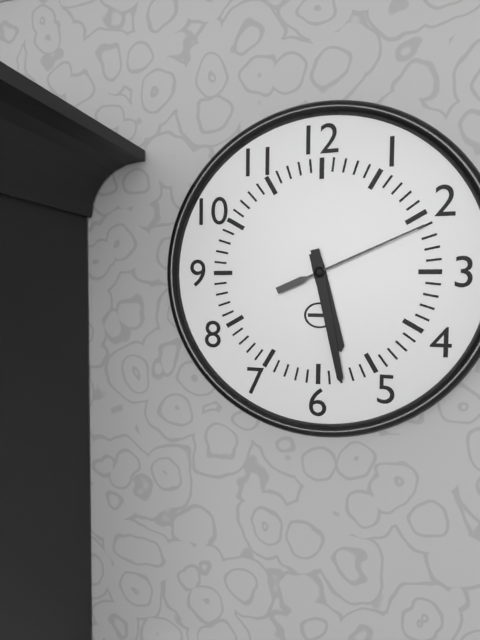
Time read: 5,28,11
